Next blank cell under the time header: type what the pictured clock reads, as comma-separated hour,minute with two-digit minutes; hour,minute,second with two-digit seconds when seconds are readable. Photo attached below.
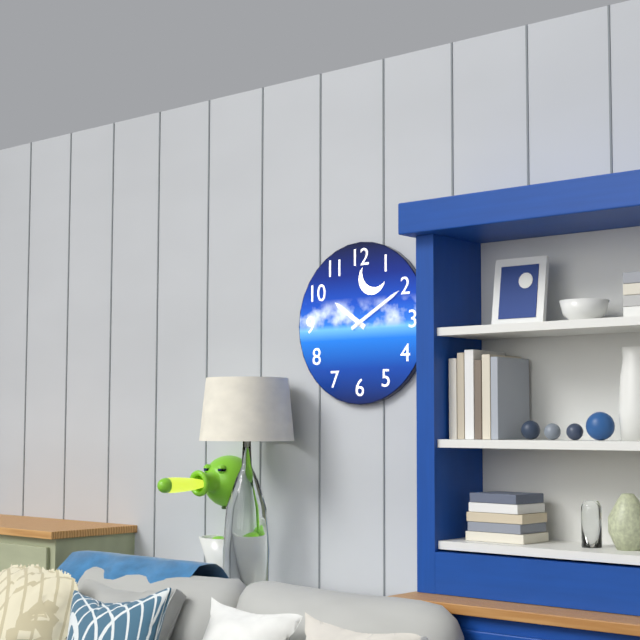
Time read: 10,10
